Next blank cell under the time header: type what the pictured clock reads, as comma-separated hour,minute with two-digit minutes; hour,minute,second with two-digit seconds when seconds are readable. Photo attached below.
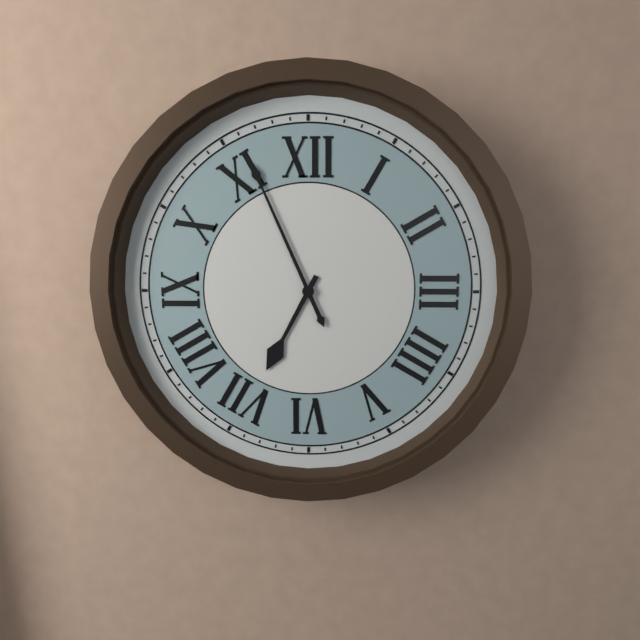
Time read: 6,56
